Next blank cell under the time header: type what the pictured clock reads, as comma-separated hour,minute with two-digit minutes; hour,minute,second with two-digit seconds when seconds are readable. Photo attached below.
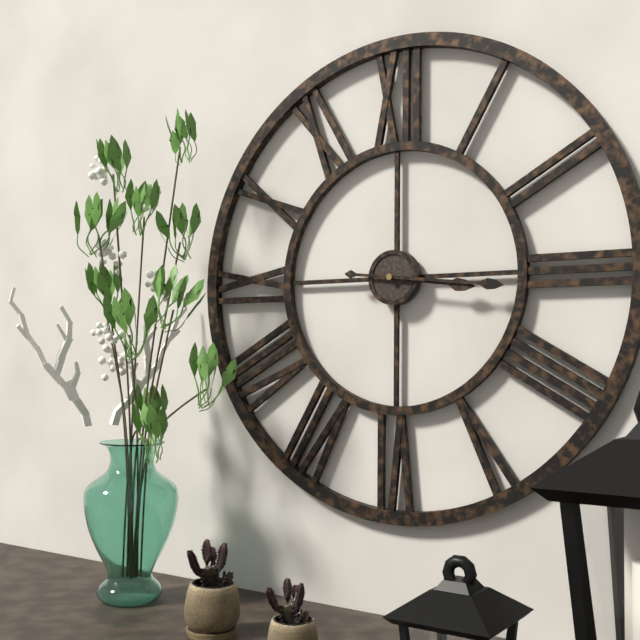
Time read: 3,16
